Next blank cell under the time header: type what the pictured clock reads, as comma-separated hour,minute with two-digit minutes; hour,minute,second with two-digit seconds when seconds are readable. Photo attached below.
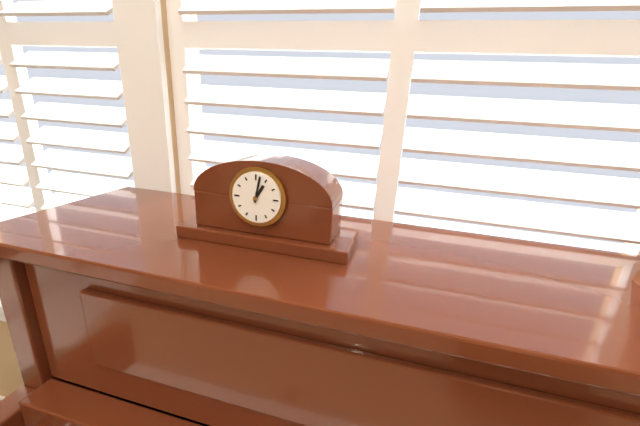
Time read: 1,02
